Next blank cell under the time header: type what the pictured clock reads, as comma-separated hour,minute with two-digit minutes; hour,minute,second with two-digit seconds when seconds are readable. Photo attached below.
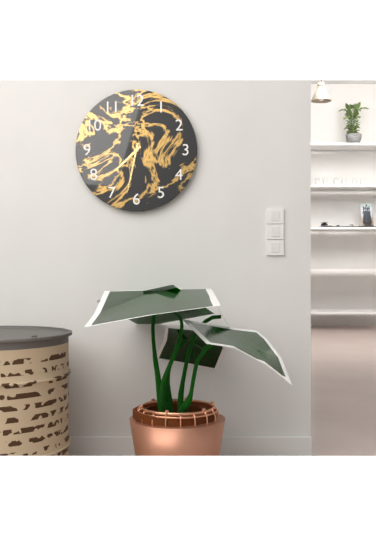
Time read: 7,32
